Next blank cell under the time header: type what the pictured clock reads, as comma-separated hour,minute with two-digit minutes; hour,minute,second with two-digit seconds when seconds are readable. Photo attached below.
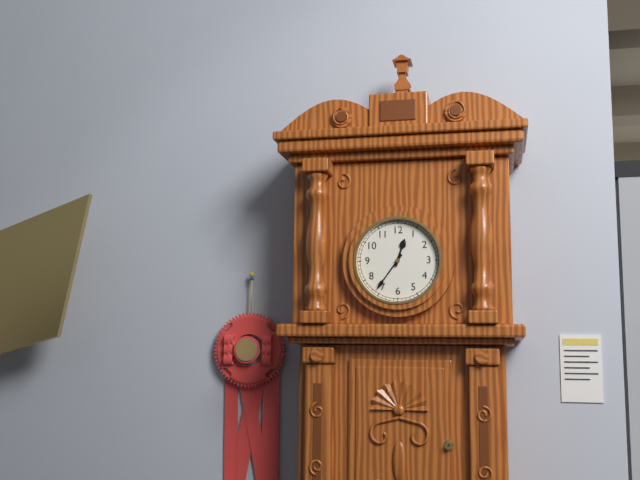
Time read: 12,36
